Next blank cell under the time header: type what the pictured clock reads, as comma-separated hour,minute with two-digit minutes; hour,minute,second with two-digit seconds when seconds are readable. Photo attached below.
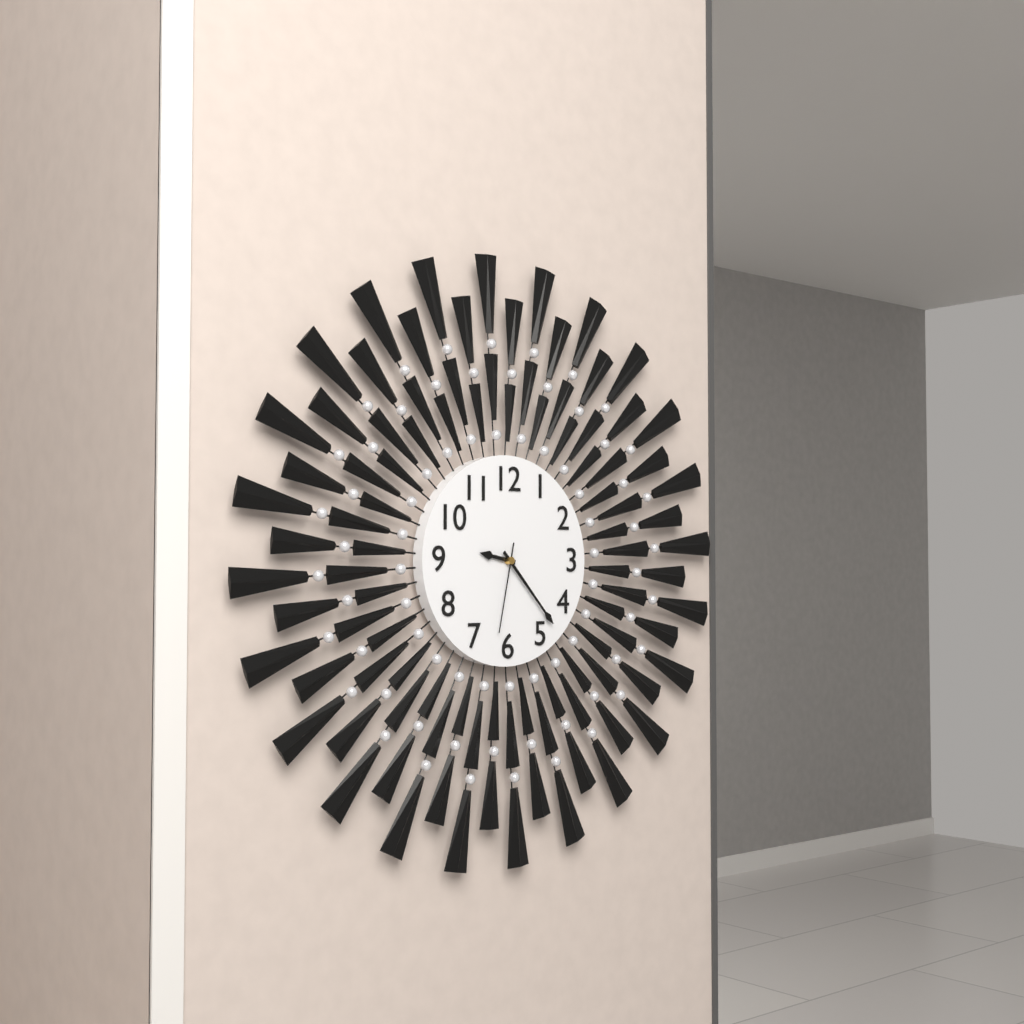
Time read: 9,23,32
